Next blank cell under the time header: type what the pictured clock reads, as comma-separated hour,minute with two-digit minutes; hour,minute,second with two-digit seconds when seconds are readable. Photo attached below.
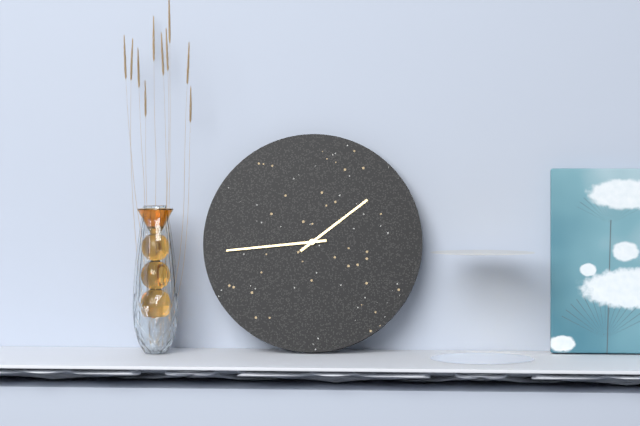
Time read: 1,44
